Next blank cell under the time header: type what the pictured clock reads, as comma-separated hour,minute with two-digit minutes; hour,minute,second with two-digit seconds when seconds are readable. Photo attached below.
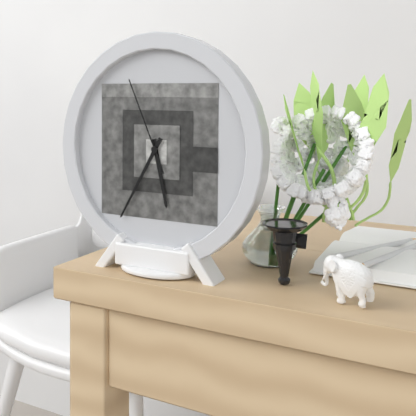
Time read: 5,35,56
